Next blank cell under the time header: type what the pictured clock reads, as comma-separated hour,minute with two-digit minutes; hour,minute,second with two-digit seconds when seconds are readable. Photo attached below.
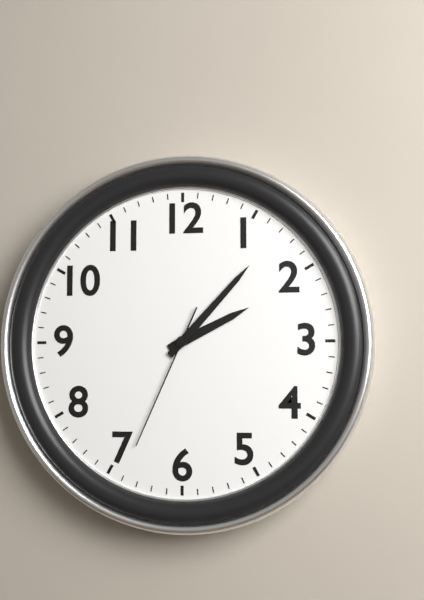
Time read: 2,07,34
